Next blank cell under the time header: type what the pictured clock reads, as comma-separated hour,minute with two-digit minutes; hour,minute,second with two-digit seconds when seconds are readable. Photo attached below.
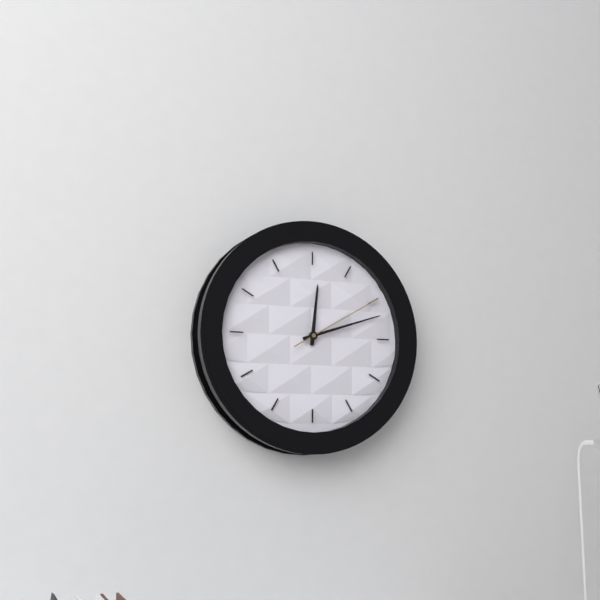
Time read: 12,12,10
